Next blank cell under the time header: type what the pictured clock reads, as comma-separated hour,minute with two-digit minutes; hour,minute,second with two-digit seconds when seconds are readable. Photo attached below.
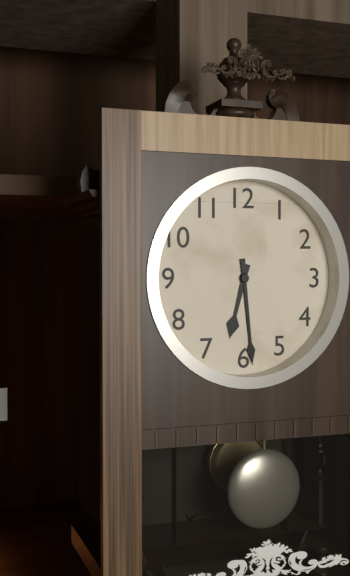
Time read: 6,29
